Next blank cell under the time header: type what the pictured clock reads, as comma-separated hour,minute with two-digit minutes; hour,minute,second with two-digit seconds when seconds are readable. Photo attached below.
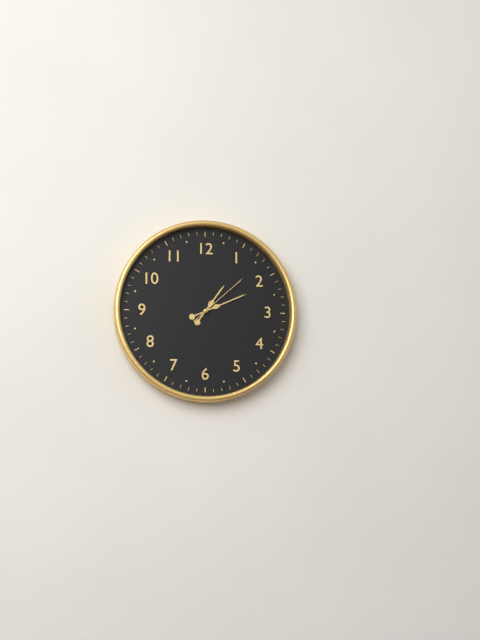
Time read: 1,11,08
